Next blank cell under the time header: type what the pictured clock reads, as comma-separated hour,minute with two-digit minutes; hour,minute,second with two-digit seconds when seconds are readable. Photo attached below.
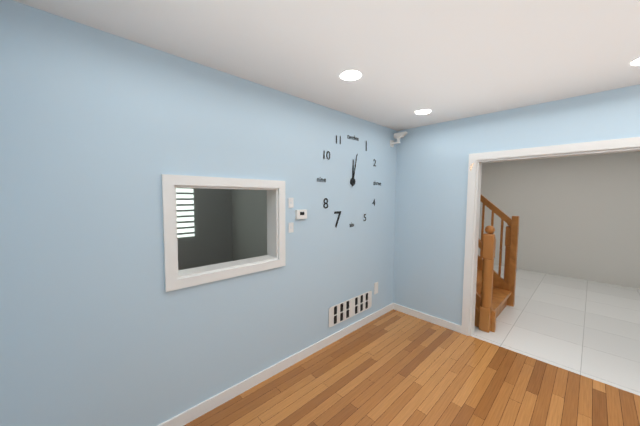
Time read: 12,02
